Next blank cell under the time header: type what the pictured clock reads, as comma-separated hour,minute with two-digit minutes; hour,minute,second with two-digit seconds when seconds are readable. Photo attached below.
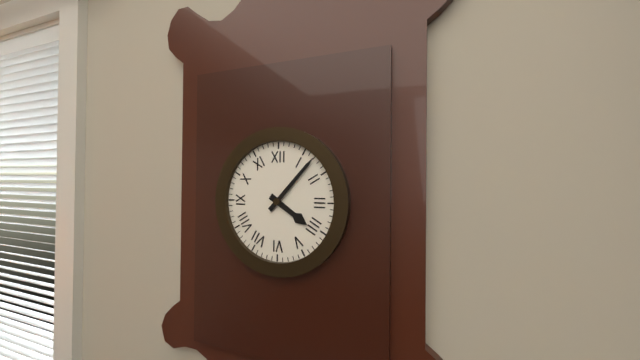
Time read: 4,07
